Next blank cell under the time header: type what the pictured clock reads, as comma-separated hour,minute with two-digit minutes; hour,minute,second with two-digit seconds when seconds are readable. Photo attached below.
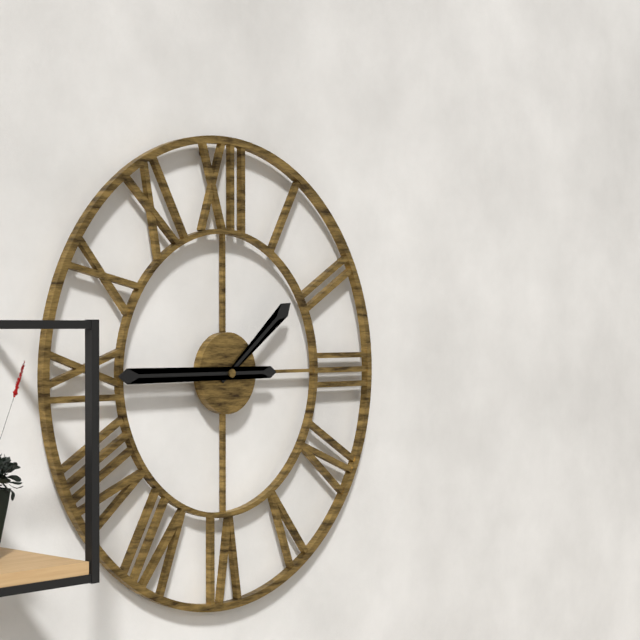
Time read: 1,45
